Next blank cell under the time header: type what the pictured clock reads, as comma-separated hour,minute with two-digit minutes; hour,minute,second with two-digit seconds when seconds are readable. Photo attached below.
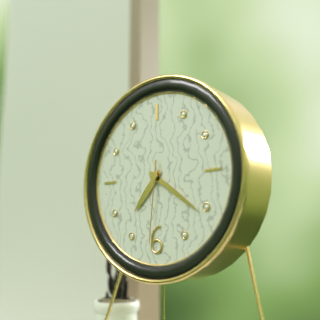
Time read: 7,21,31
